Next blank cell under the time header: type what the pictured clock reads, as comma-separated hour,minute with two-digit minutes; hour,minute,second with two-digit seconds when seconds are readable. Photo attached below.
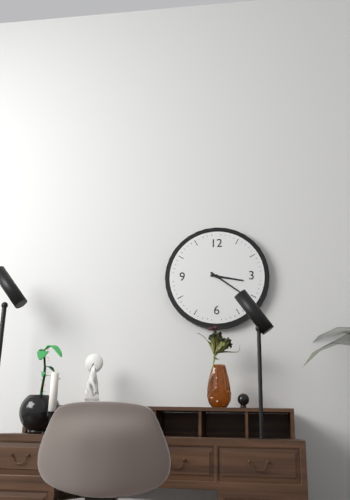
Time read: 3,21
